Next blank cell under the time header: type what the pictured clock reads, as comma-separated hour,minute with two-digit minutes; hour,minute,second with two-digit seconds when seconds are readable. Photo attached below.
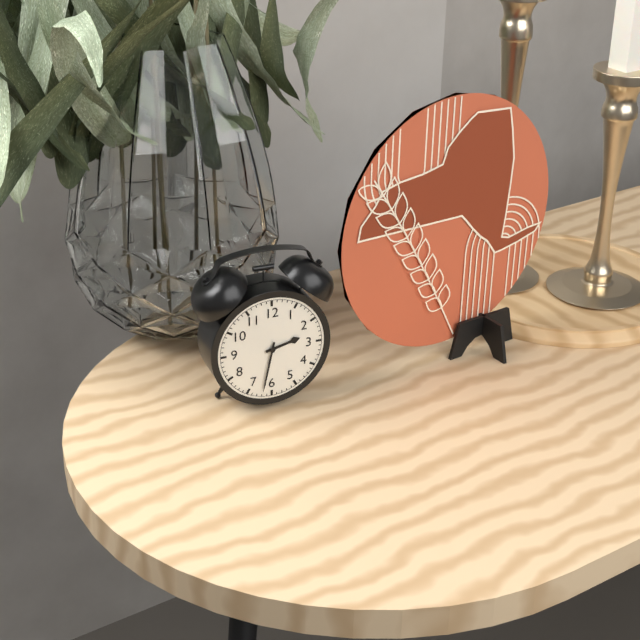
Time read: 2,32
